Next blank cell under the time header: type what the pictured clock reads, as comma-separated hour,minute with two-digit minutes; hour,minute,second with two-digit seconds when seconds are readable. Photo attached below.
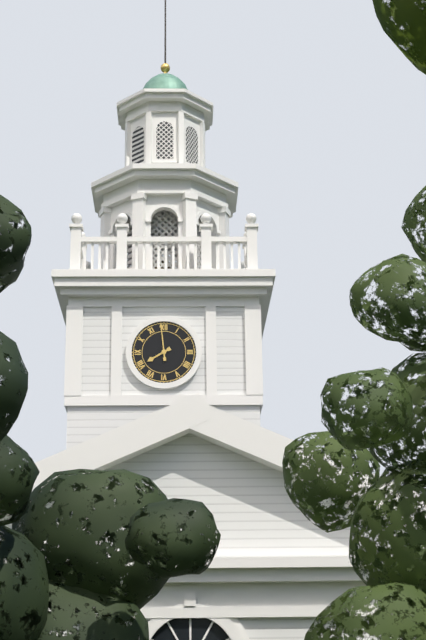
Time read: 7,59
